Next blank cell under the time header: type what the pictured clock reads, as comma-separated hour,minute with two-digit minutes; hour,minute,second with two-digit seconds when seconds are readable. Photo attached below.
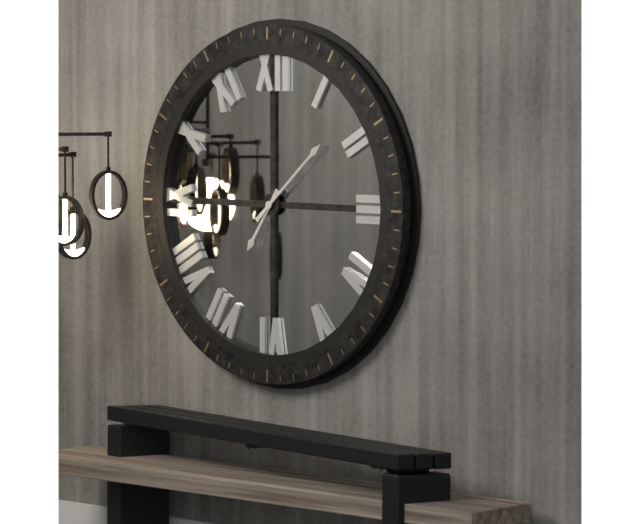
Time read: 7,08
